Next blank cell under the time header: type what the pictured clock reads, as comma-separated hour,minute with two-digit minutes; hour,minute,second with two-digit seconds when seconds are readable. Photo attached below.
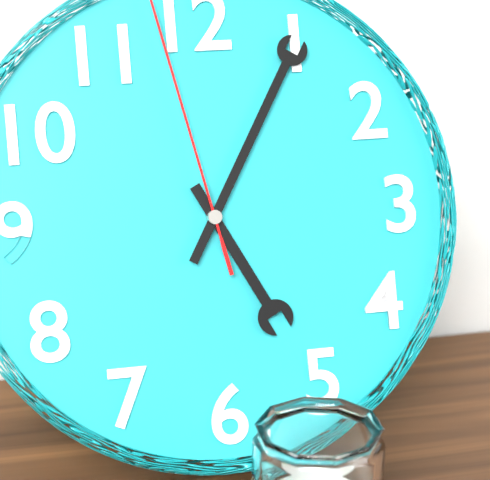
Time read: 5,05
